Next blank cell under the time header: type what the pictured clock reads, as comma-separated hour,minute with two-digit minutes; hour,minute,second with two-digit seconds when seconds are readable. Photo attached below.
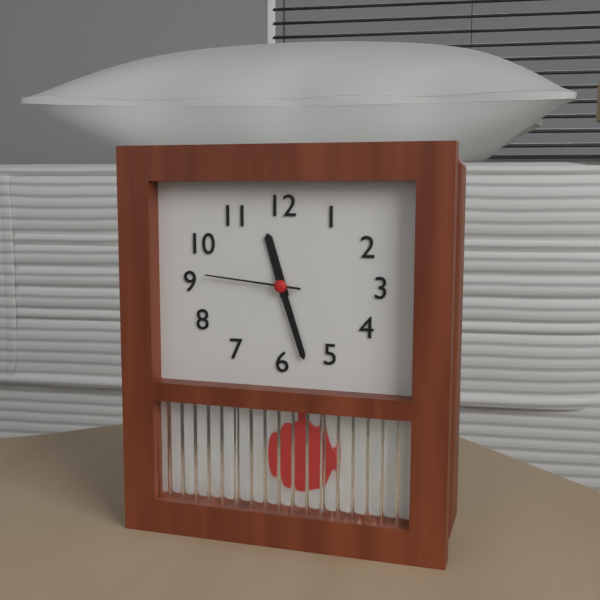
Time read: 11,27,46
